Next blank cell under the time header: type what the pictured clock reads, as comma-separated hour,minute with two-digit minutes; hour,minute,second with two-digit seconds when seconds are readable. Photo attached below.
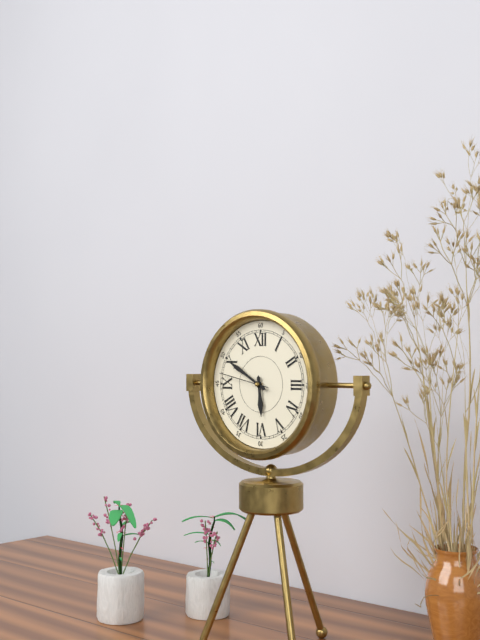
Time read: 5,50,47
